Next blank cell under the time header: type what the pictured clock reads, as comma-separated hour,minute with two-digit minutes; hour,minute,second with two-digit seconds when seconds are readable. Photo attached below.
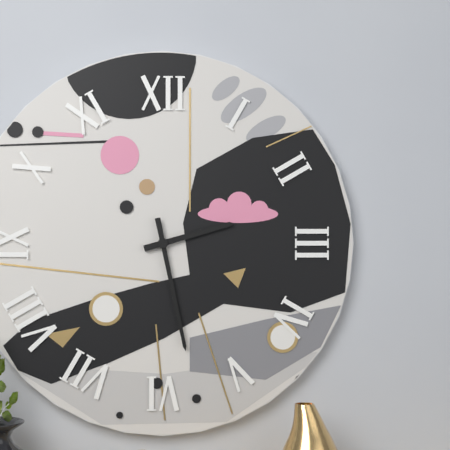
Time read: 2,28
